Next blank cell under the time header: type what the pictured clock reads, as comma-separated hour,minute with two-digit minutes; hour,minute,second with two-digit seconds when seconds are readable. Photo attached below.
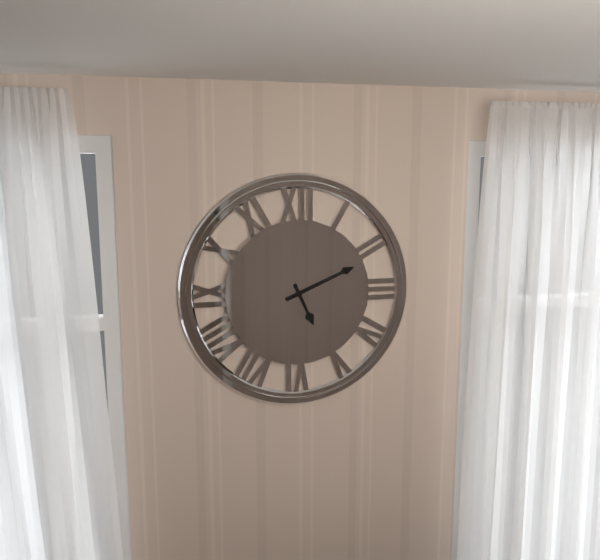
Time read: 5,11
